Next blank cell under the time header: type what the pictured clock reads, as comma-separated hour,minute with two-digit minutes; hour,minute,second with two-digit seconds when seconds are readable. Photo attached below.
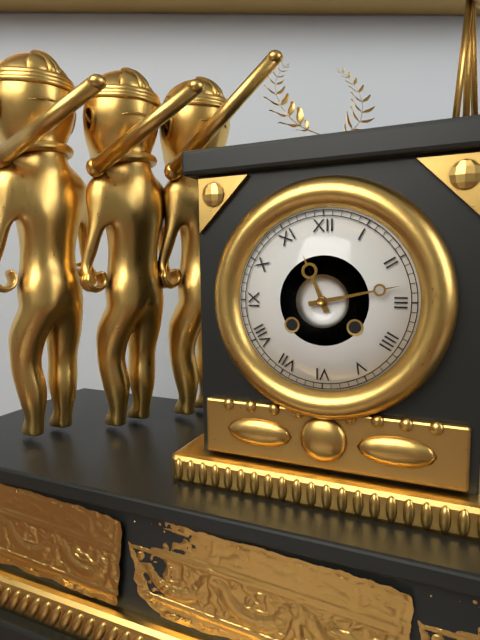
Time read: 11,13
